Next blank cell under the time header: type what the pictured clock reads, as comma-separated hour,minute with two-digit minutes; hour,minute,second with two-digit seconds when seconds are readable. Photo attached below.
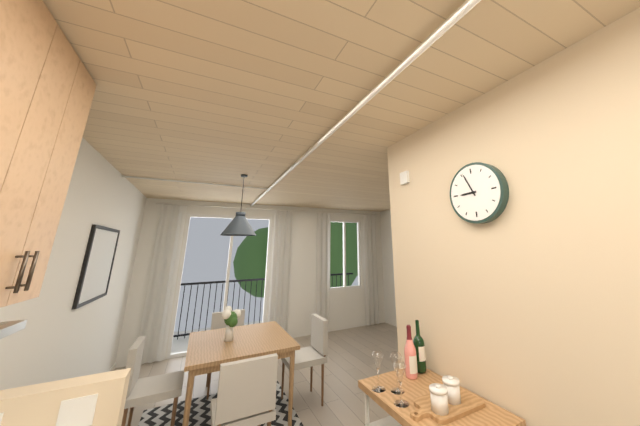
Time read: 8,56
